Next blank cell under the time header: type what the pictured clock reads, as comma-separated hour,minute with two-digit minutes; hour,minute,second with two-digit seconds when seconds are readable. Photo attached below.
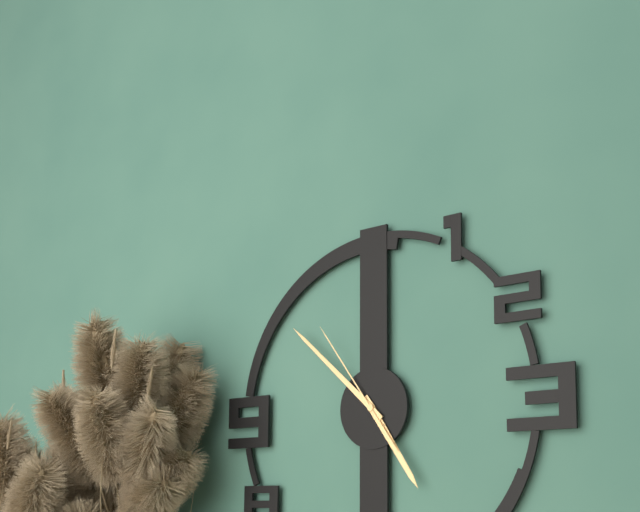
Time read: 4,52,54
